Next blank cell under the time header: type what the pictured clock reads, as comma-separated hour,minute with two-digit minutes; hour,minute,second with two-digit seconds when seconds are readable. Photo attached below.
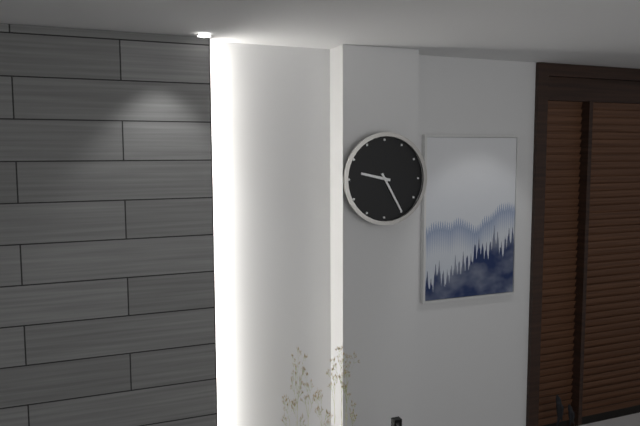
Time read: 9,25
